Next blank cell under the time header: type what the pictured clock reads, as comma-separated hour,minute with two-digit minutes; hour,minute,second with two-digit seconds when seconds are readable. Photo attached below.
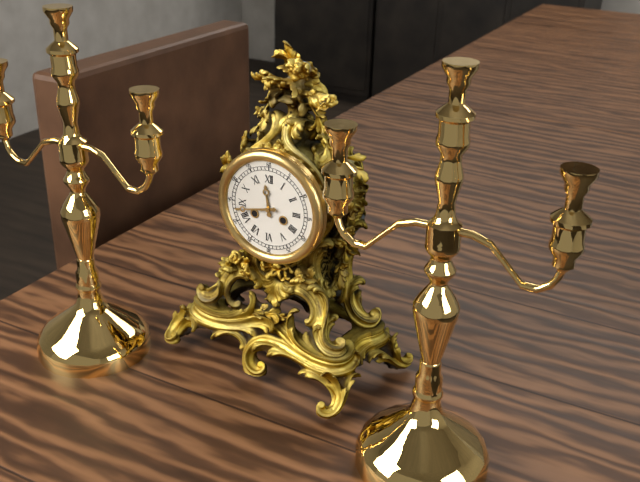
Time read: 11,43
